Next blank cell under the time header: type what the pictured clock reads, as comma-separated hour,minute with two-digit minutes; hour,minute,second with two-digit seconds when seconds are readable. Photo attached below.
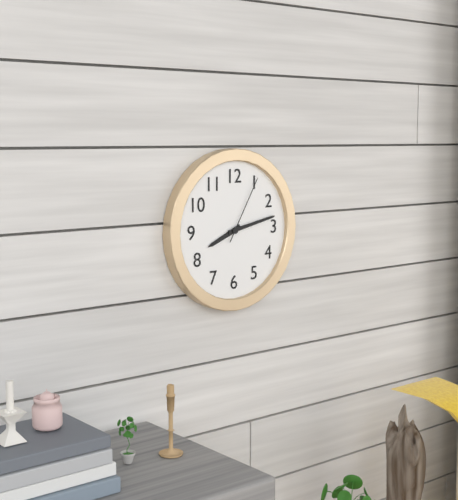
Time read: 8,13,05
